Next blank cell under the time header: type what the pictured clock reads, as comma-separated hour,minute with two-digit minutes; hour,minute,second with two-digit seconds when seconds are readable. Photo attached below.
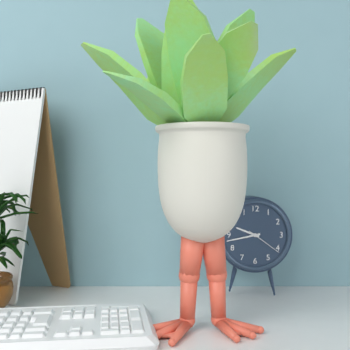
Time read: 9,43
